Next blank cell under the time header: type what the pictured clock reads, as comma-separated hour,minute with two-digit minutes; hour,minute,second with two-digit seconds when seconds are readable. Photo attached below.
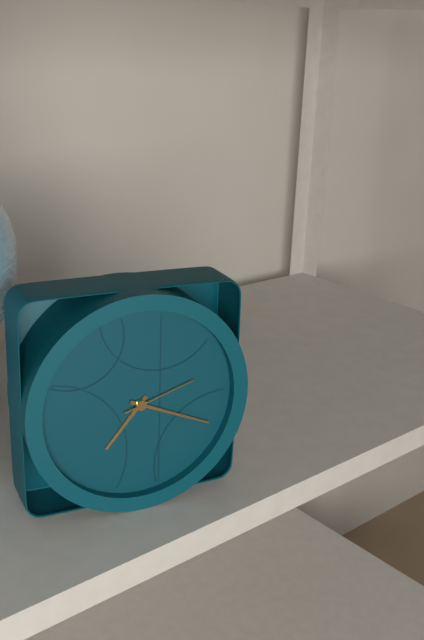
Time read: 7,19,12
